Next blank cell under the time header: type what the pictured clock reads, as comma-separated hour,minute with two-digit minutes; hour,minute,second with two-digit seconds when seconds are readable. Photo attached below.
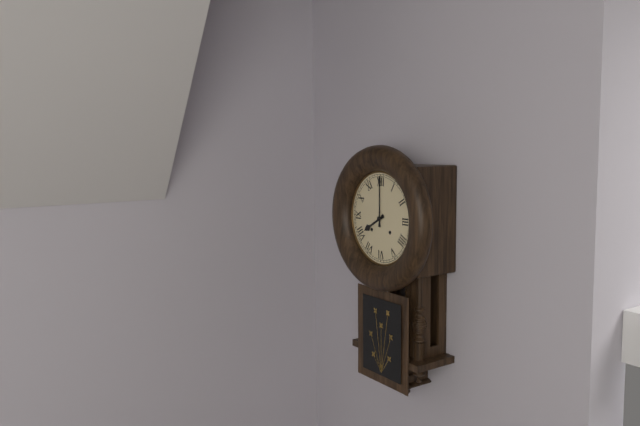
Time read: 8,00
